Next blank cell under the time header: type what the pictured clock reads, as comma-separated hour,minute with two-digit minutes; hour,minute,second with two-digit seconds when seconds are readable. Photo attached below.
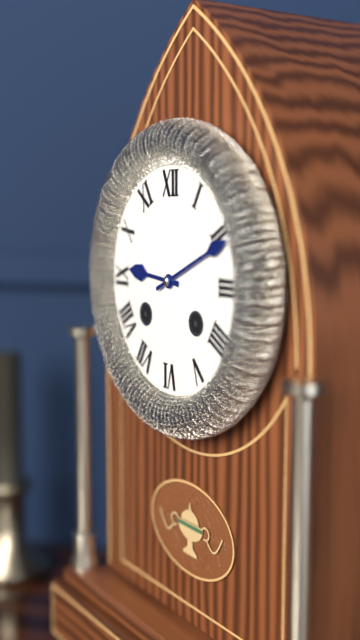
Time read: 9,11
